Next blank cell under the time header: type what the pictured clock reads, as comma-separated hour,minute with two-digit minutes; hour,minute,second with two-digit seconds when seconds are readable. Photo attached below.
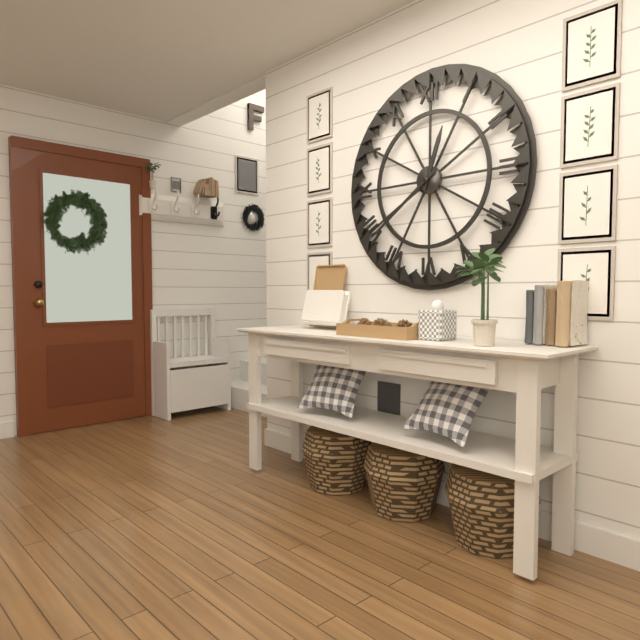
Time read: 12,39
